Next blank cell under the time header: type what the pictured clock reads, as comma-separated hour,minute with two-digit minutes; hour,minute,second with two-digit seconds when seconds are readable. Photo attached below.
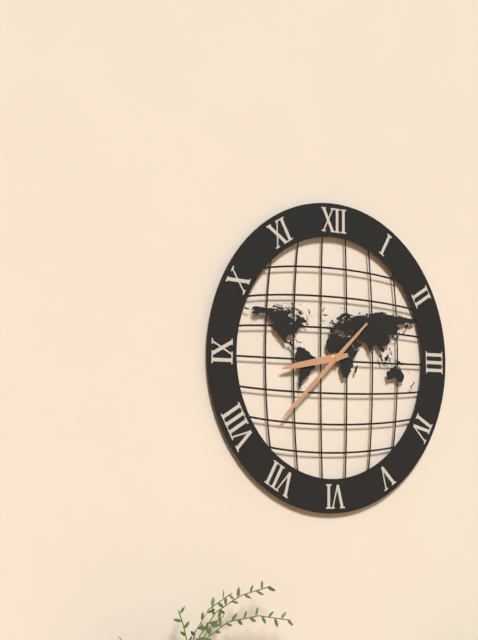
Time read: 8,38
